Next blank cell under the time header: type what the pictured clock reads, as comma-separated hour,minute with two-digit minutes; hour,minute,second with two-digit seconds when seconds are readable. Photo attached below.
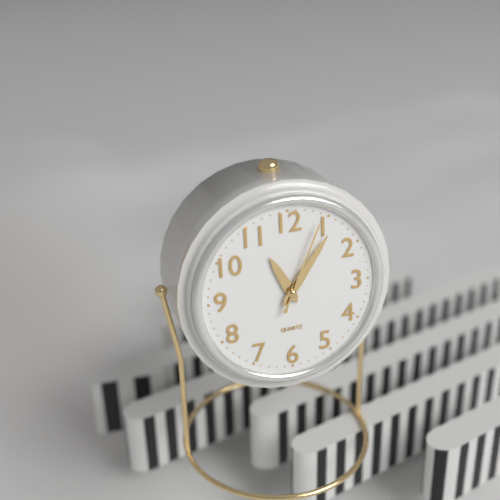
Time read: 11,06,04
